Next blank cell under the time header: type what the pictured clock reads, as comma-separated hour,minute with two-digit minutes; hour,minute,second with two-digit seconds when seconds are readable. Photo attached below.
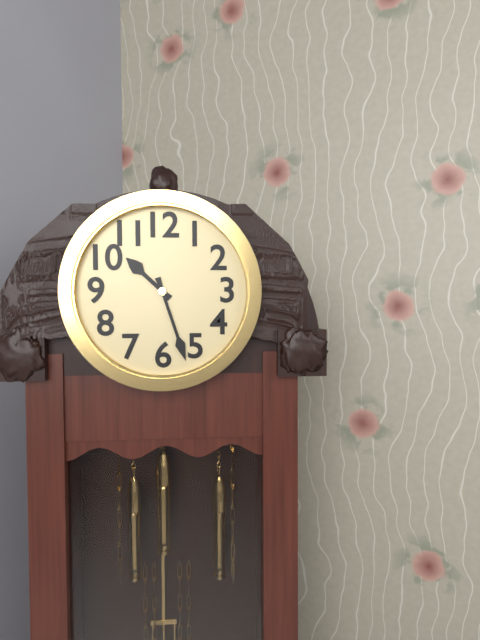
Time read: 10,27
